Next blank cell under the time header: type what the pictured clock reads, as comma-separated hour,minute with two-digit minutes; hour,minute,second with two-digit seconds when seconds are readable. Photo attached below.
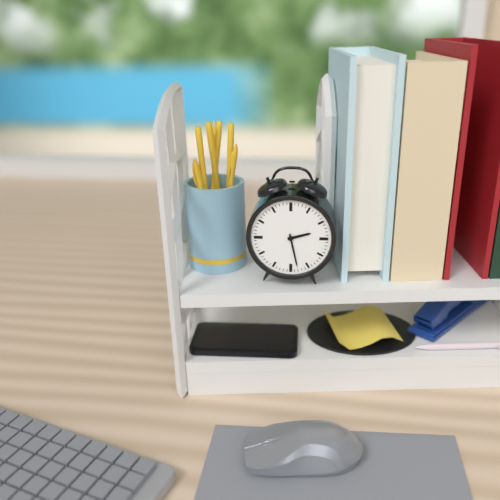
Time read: 2,28
